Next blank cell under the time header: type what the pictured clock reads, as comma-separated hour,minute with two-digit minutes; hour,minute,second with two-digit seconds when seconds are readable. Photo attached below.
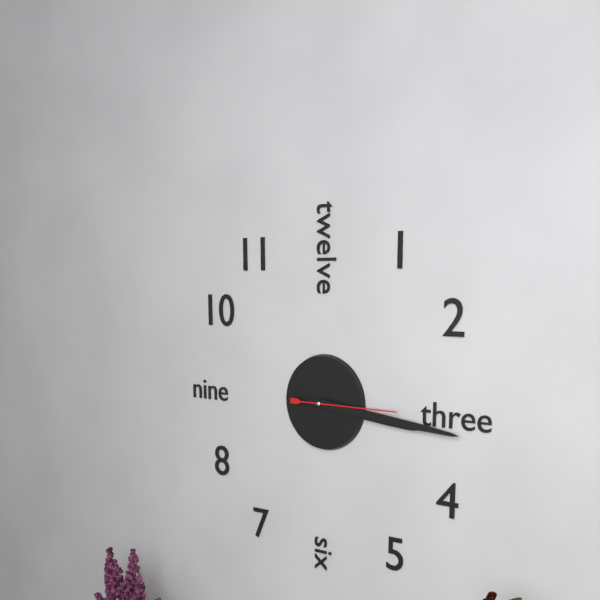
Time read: 3,16,15
